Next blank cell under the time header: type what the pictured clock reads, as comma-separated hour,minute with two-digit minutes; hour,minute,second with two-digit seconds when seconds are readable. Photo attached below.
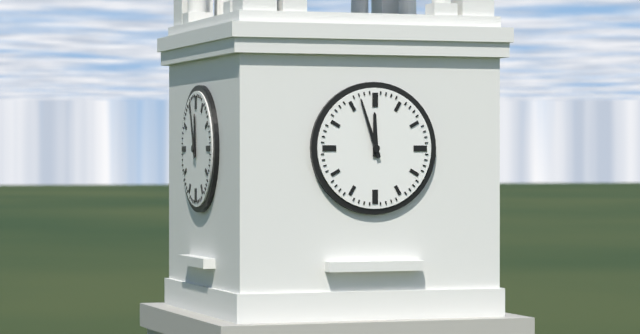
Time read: 11,57
